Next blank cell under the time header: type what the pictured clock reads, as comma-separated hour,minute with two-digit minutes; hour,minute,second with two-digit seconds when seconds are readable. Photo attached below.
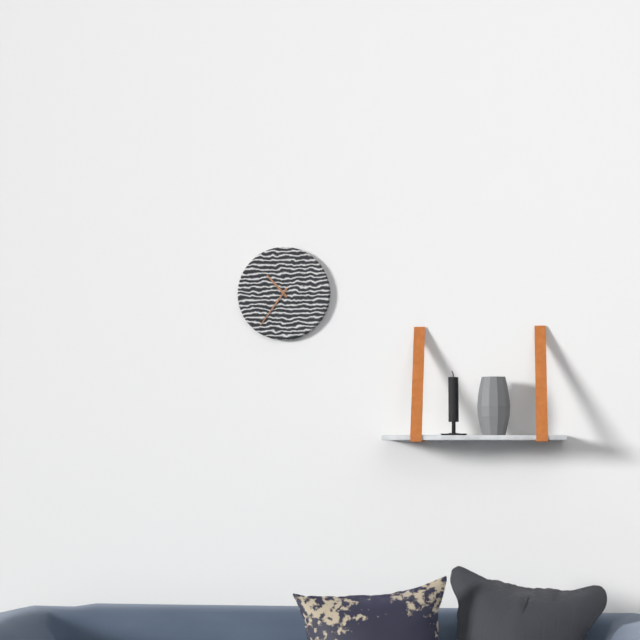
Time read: 10,36
